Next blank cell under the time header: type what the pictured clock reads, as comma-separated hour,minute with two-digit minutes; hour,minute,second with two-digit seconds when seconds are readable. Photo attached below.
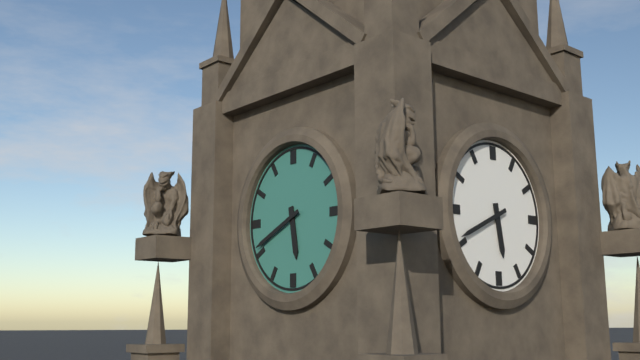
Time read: 5,41
